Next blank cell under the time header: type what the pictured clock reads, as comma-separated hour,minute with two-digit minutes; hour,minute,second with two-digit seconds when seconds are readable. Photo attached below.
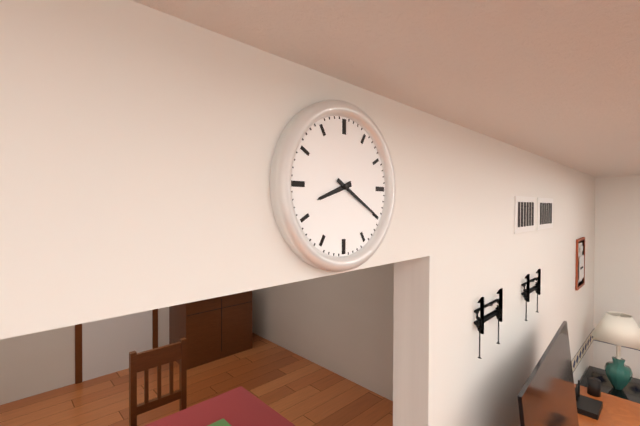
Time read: 8,20
